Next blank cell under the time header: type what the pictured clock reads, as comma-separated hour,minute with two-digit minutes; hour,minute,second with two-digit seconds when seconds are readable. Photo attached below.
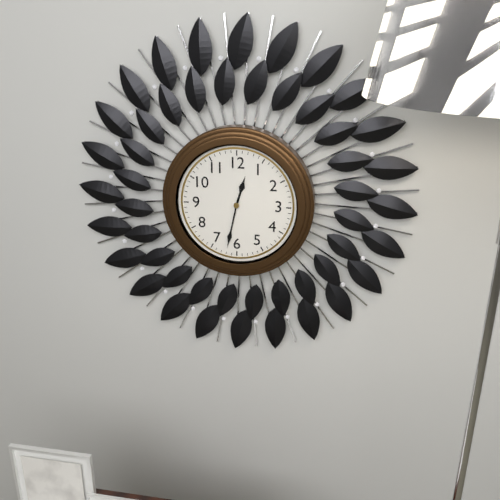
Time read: 12,32
